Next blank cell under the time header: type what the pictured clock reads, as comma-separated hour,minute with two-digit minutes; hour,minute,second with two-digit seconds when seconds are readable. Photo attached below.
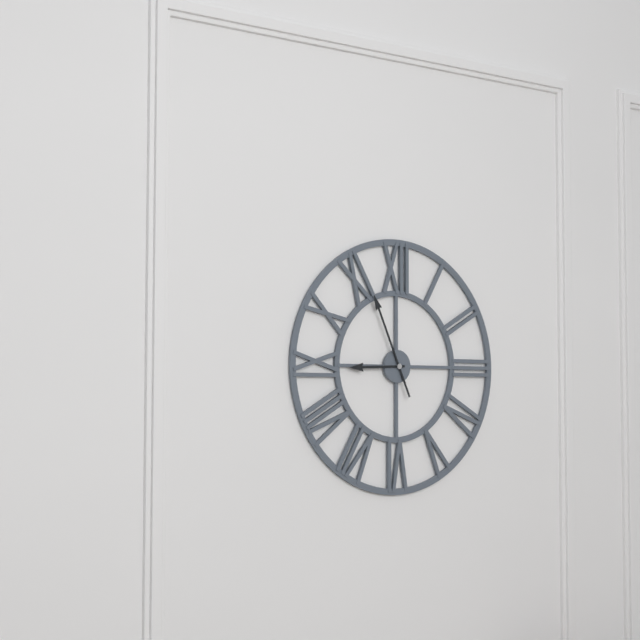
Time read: 8,56
